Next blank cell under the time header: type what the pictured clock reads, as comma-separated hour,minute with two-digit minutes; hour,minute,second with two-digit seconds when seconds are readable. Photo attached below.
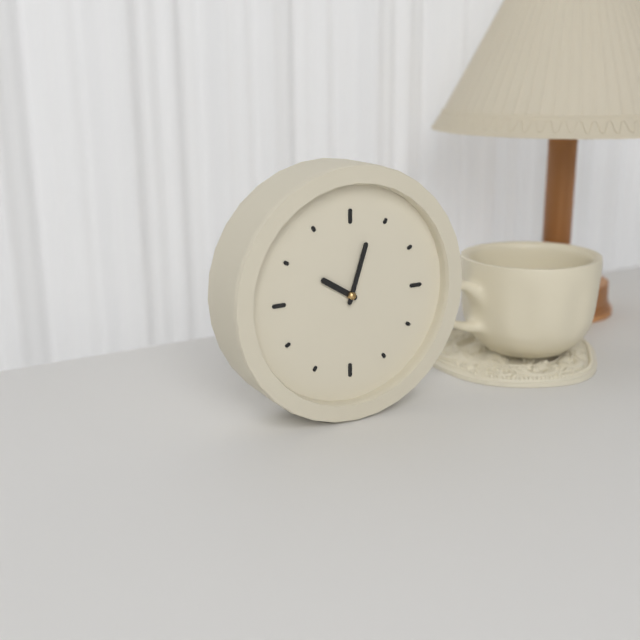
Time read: 10,03
